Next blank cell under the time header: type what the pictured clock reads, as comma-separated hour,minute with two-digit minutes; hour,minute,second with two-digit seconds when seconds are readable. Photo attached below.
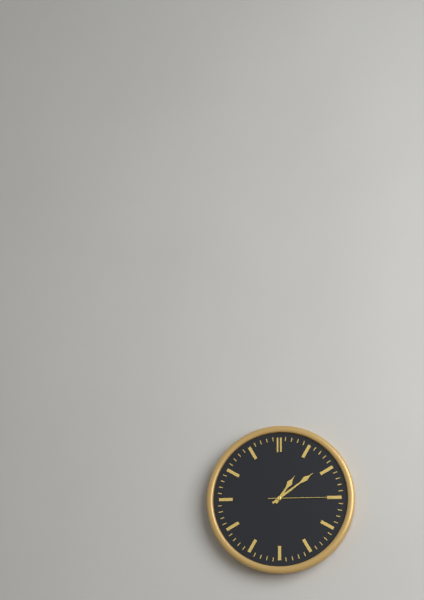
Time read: 1,09,15
